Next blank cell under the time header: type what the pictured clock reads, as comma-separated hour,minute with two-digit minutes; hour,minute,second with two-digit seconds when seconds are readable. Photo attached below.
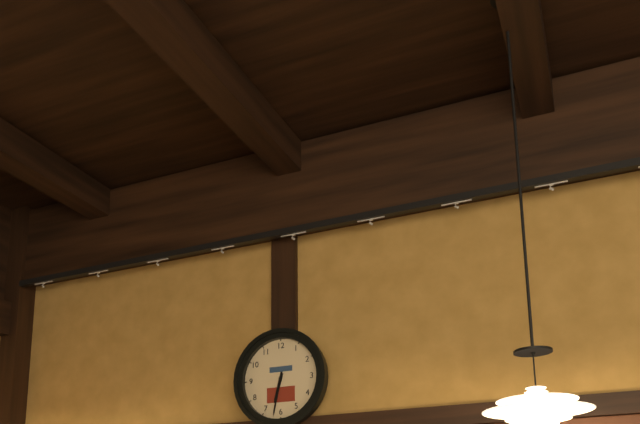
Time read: 6,32
